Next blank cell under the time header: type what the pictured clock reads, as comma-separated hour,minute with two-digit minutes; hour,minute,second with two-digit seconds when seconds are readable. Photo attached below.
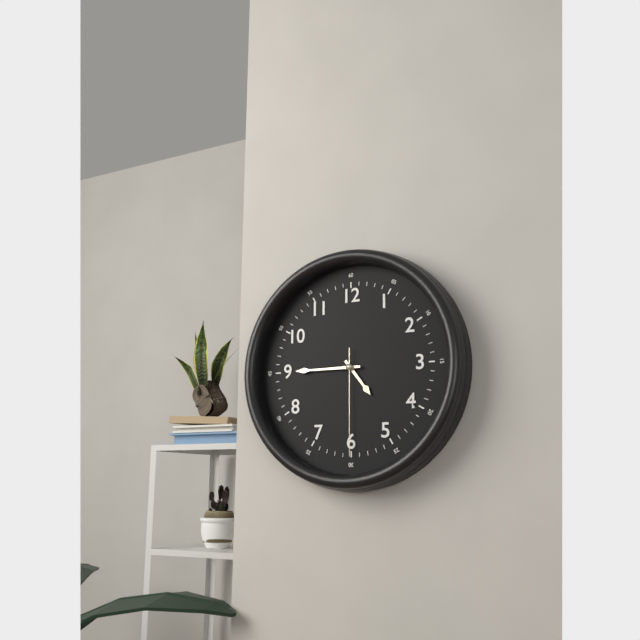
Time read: 4,45,30
